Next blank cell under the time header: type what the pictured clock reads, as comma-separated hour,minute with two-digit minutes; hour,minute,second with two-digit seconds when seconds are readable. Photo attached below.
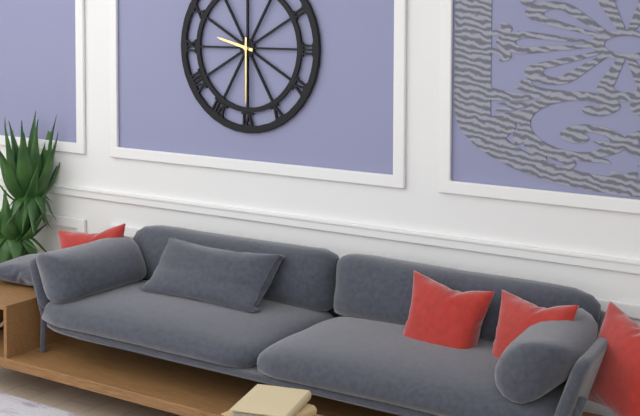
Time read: 9,30
